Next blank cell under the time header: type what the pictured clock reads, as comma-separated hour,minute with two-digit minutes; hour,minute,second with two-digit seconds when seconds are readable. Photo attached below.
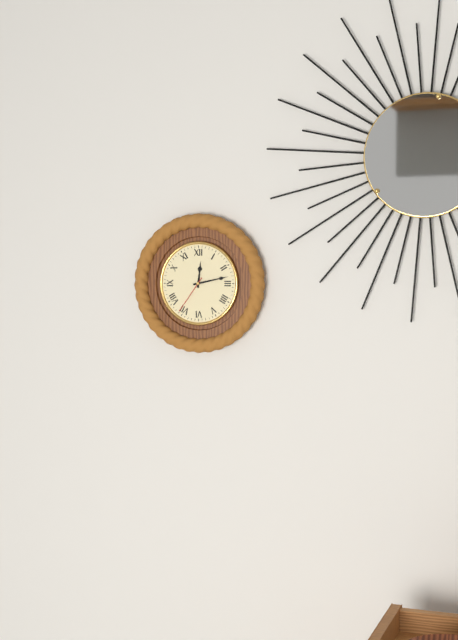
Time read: 12,13
